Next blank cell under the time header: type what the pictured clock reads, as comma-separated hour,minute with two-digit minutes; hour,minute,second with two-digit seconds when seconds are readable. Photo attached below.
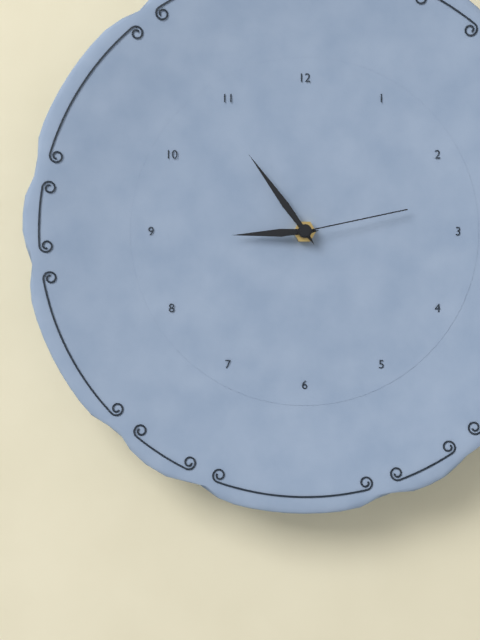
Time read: 8,54,13
